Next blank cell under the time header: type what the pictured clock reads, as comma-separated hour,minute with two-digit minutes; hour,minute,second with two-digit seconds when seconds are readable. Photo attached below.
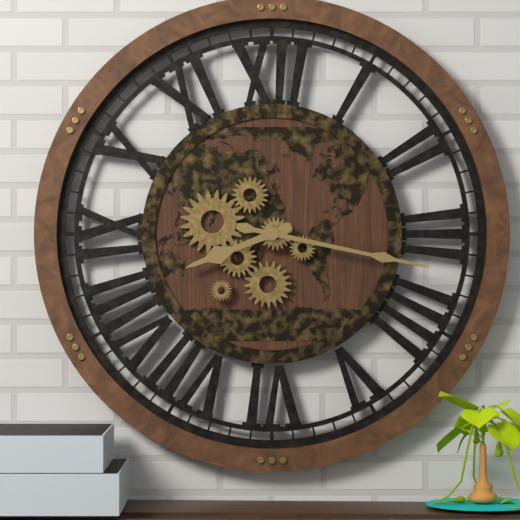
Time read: 8,17
